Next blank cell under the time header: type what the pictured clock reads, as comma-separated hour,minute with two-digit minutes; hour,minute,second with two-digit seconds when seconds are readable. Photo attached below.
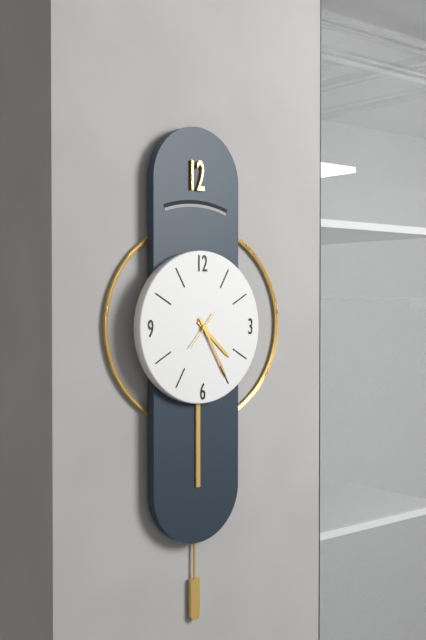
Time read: 4,25
